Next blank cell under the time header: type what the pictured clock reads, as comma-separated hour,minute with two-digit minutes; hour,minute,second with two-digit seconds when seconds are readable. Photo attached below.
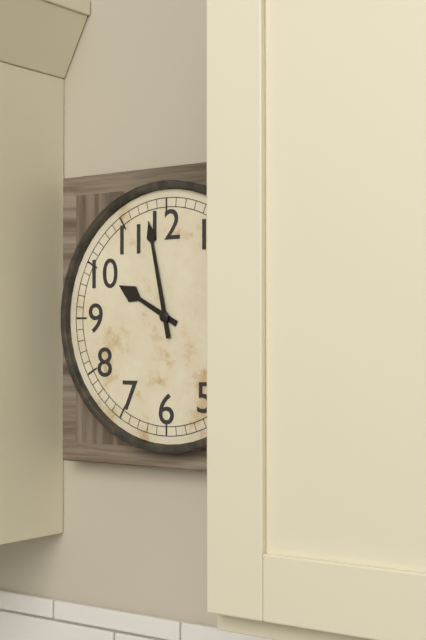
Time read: 9,58
